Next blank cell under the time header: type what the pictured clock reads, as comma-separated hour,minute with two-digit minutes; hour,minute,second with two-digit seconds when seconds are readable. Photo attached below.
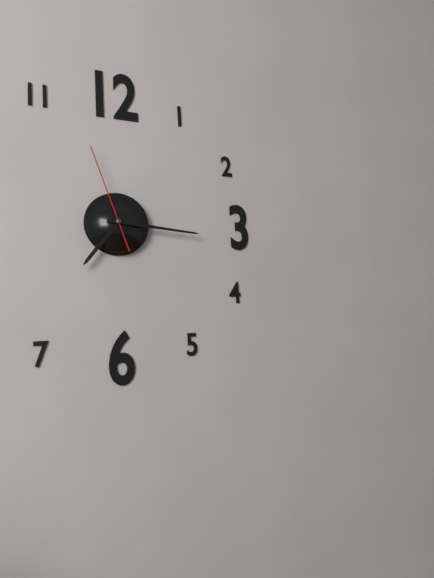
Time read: 7,16,57
